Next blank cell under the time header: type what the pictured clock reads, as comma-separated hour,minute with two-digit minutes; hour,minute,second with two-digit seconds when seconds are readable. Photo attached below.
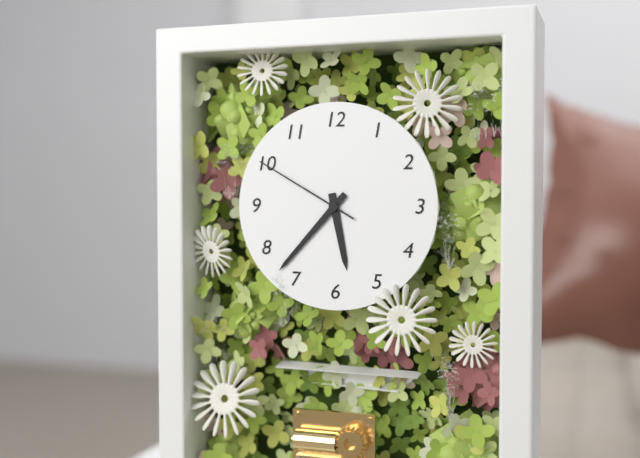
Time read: 5,37,50
